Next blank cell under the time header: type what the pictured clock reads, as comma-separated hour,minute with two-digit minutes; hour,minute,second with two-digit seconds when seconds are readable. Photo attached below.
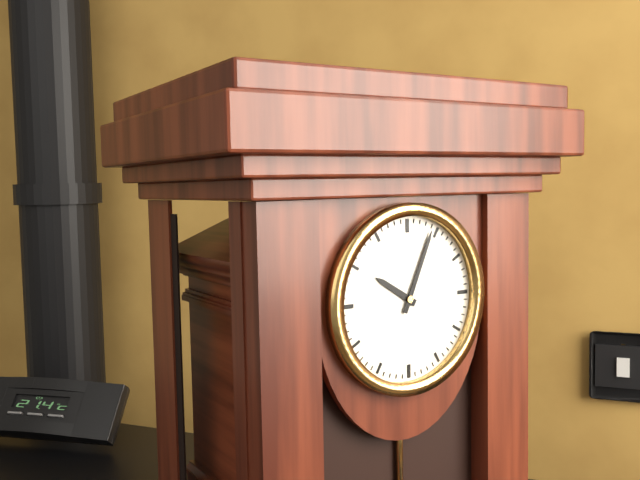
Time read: 10,04
